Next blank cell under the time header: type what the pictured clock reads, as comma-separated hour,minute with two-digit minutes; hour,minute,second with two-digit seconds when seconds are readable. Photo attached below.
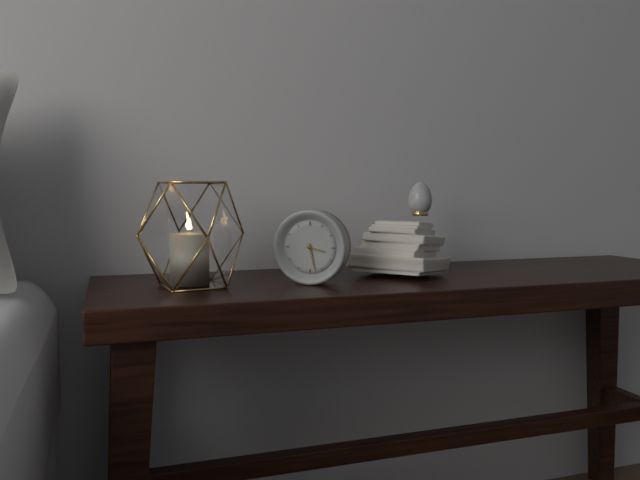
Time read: 3,28
